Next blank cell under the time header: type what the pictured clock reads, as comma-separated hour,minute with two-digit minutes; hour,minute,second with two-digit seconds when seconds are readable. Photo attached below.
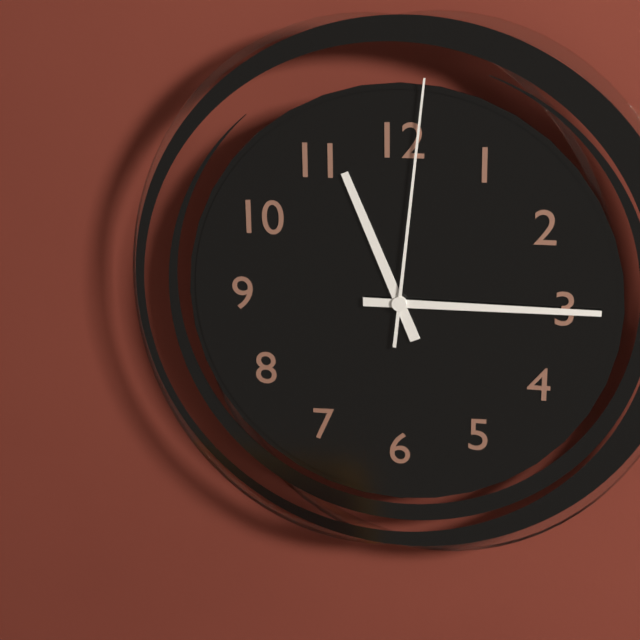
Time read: 11,15,01
